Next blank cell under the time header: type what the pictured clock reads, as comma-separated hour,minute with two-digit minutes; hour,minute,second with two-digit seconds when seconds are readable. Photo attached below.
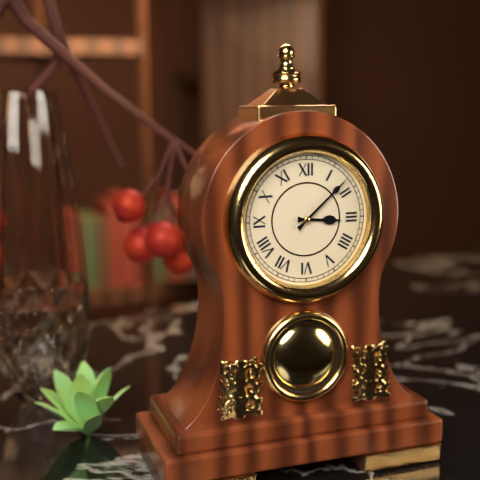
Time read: 3,08
